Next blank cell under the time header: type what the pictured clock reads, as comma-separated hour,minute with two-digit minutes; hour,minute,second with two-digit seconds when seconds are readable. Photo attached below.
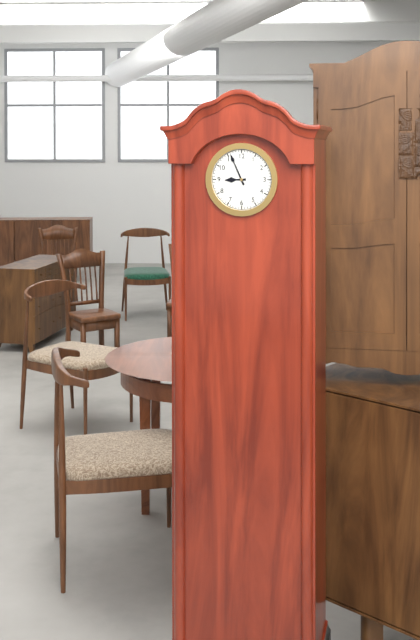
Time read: 8,56
